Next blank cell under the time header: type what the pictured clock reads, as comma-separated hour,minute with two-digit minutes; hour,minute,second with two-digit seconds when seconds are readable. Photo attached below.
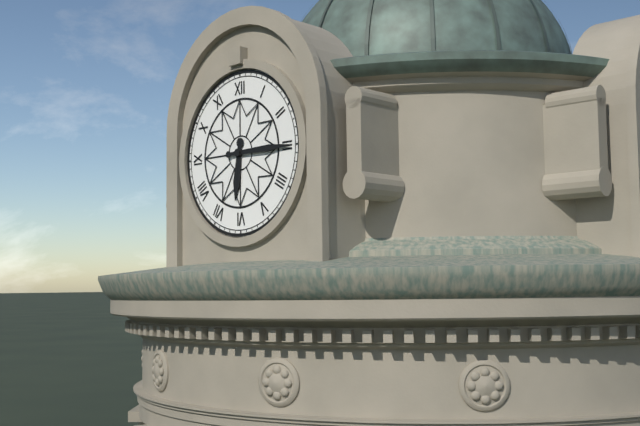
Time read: 6,15
